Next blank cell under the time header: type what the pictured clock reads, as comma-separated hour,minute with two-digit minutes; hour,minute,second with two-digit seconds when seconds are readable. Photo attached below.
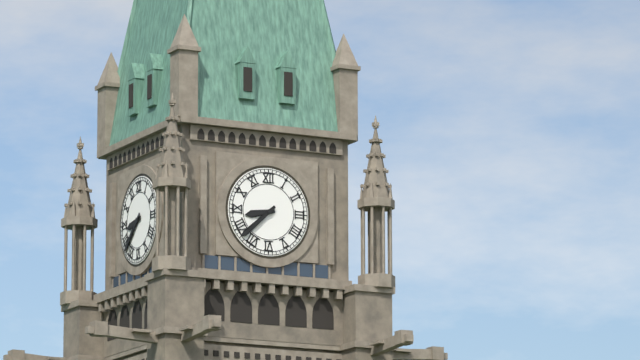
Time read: 8,38
